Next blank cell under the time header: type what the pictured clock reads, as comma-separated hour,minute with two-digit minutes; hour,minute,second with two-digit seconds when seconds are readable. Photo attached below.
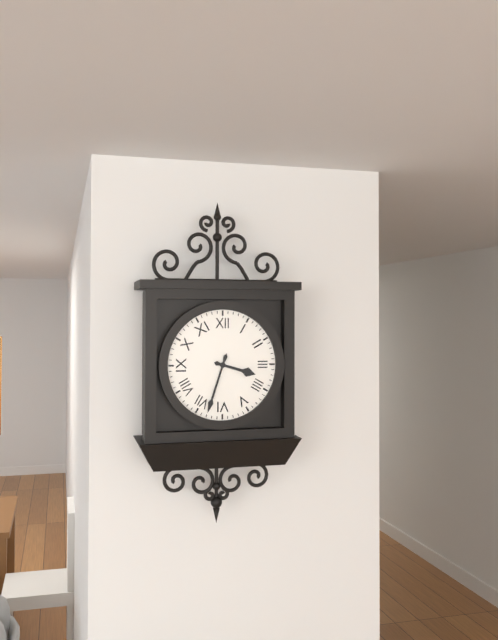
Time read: 3,33
